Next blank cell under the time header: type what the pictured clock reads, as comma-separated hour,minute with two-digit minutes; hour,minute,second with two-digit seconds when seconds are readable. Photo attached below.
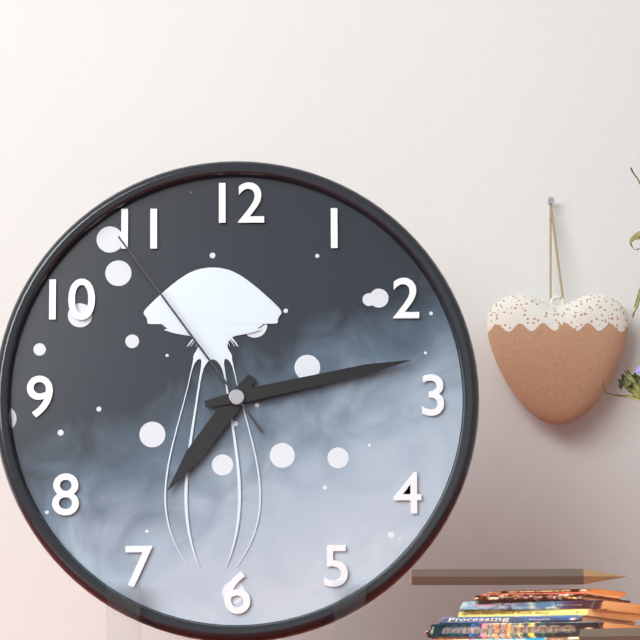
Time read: 7,13,54
